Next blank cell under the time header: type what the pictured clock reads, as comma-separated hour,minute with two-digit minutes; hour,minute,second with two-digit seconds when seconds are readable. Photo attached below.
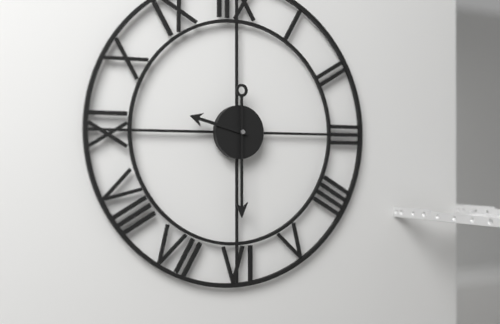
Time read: 9,30
